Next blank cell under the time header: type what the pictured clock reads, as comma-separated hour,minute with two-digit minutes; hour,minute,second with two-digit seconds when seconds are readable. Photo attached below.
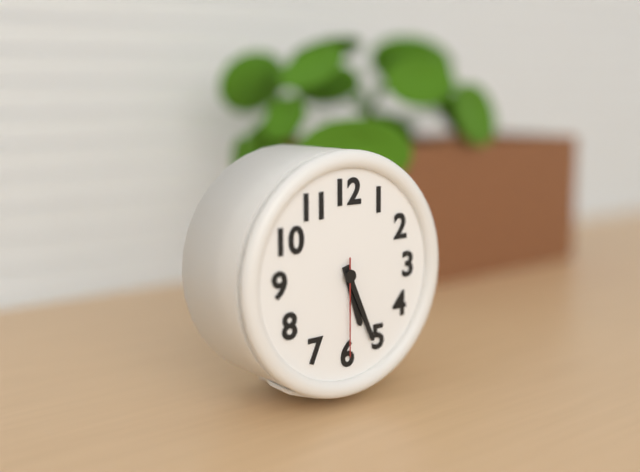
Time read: 5,26,30
